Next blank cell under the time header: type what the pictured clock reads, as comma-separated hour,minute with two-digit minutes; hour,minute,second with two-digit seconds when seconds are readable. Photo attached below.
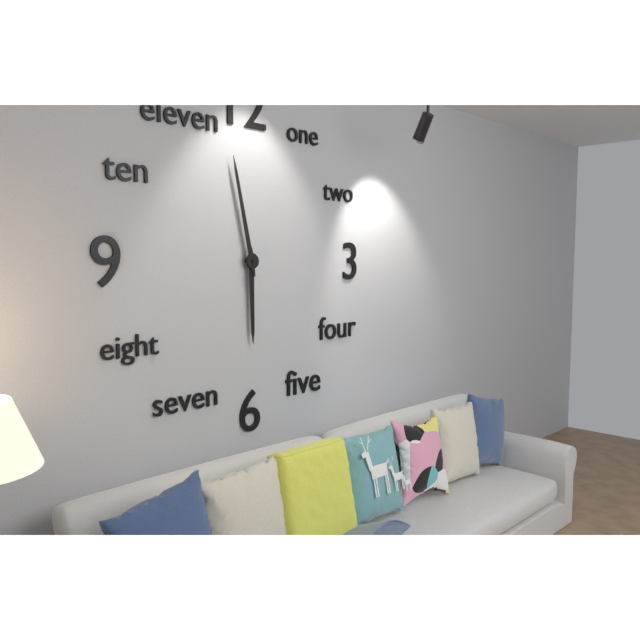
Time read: 5,58
